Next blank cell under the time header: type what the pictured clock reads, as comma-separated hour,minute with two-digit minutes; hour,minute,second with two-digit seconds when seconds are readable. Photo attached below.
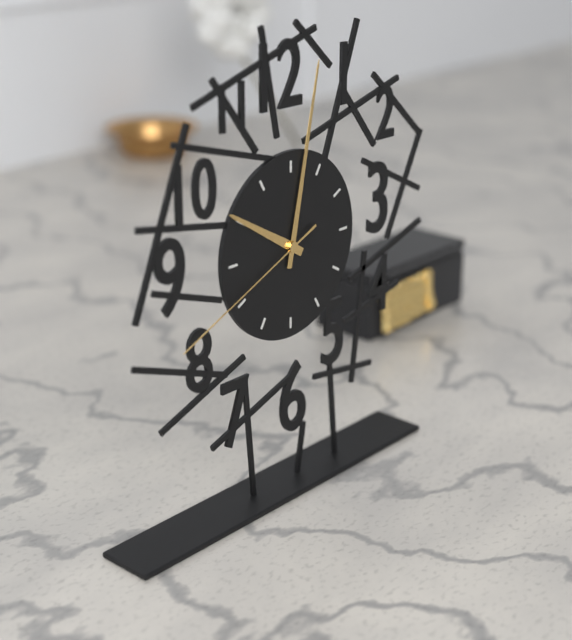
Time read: 10,02,41
